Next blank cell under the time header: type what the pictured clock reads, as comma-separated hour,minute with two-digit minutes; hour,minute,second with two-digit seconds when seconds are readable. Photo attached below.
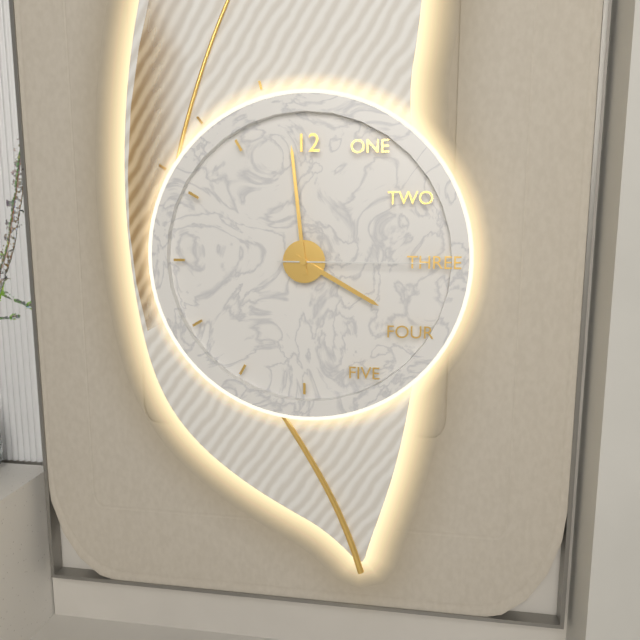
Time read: 3,59,15
